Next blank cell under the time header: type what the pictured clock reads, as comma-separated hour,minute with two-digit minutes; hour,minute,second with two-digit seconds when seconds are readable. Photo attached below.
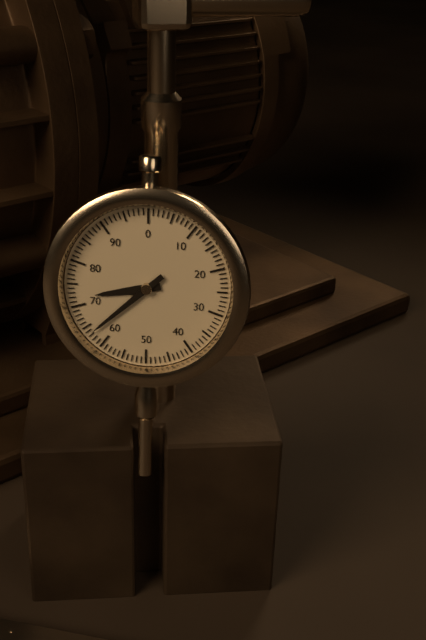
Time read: 8,38
